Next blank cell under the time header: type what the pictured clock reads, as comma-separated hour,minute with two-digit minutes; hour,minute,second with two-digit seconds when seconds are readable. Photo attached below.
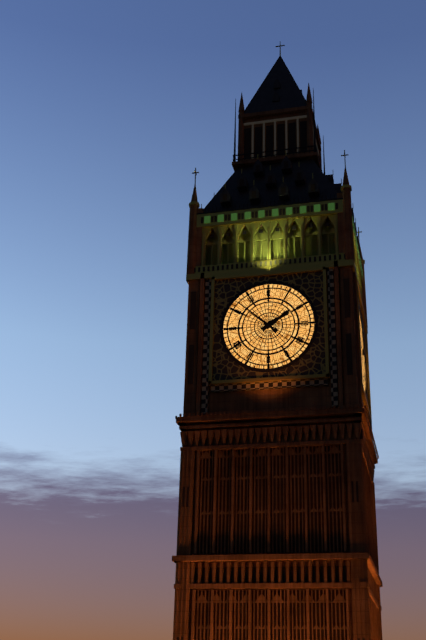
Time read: 1,52
